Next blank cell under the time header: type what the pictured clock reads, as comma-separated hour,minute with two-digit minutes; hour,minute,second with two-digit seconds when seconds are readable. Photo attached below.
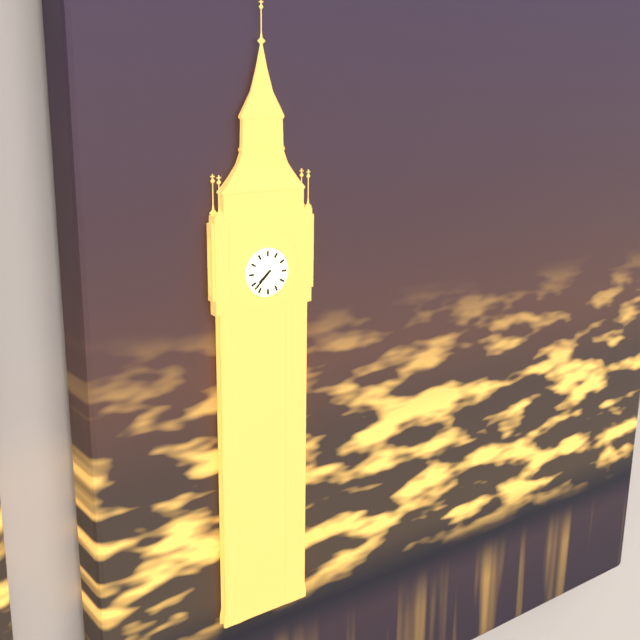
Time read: 7,38
